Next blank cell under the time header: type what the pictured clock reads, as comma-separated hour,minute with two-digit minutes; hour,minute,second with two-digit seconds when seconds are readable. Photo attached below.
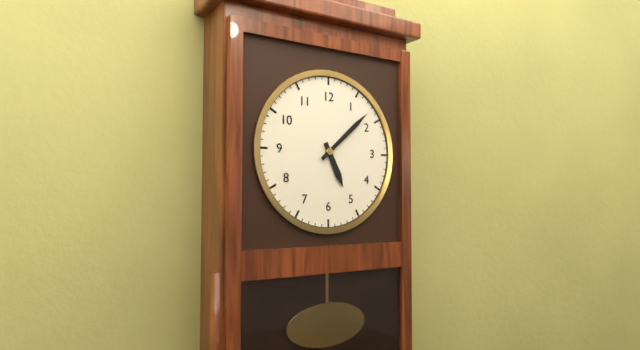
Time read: 5,08
